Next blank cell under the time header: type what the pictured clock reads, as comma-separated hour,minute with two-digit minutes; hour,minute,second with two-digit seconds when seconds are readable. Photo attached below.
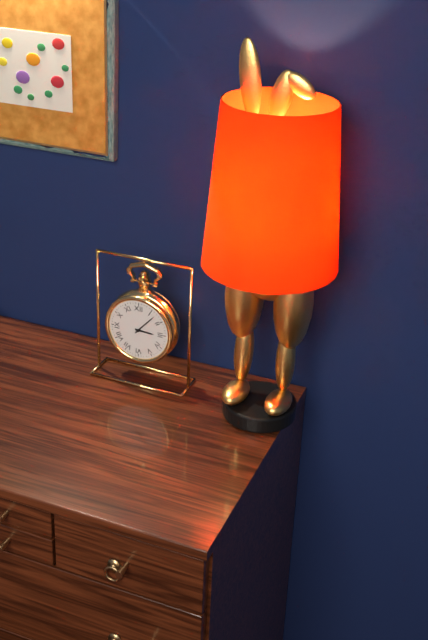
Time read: 3,07
